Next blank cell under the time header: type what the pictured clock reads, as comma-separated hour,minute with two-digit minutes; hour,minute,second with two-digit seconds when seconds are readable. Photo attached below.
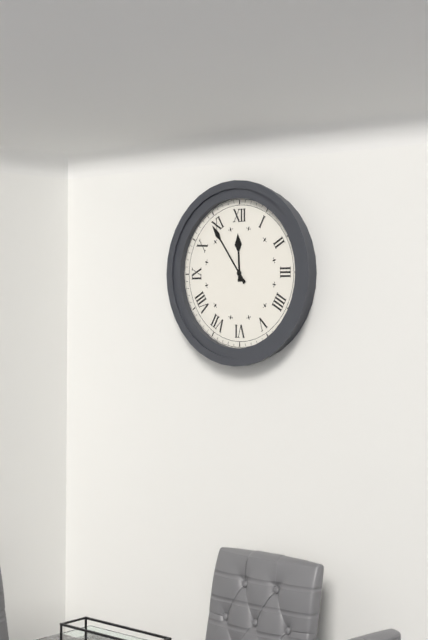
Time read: 11,54
